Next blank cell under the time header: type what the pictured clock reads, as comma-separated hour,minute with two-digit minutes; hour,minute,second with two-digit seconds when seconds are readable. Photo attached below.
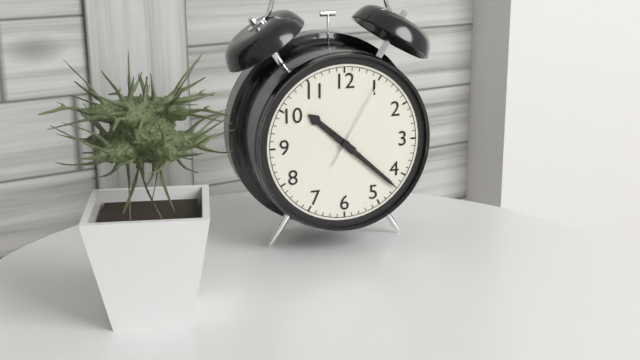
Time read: 10,22,05
